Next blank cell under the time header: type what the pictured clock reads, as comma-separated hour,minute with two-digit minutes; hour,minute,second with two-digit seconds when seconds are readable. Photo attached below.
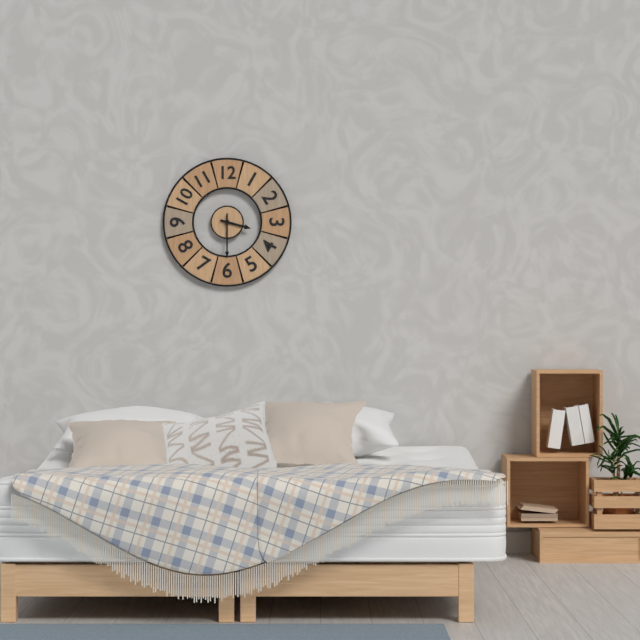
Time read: 3,30
